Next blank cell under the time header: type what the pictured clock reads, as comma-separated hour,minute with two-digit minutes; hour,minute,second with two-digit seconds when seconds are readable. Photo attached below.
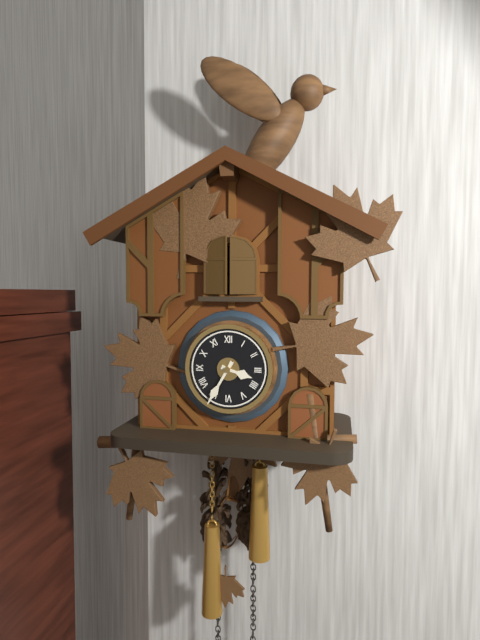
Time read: 3,35
